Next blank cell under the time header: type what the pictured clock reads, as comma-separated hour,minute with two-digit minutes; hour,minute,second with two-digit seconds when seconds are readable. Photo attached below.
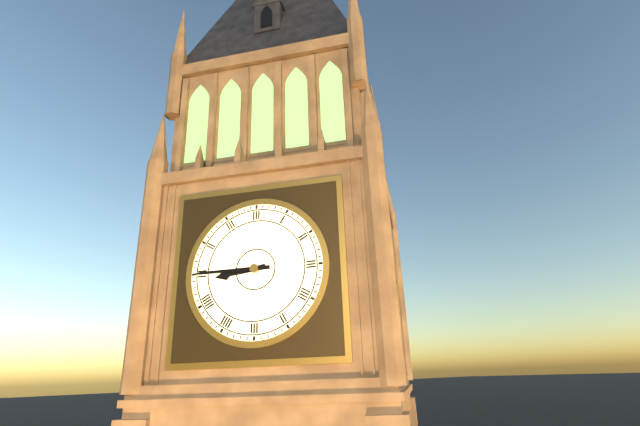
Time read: 8,45
